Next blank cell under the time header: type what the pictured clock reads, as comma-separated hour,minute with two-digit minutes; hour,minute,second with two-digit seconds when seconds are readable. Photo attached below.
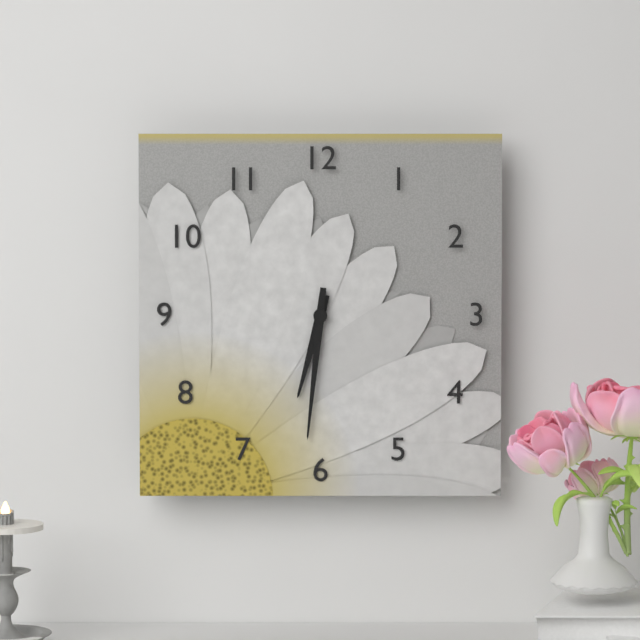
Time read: 6,31
